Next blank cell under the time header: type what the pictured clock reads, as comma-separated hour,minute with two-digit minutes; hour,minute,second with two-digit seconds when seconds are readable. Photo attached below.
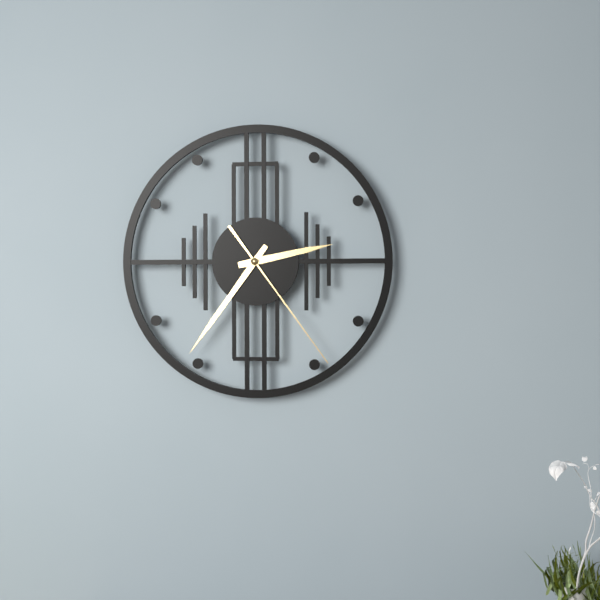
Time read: 2,36,24
